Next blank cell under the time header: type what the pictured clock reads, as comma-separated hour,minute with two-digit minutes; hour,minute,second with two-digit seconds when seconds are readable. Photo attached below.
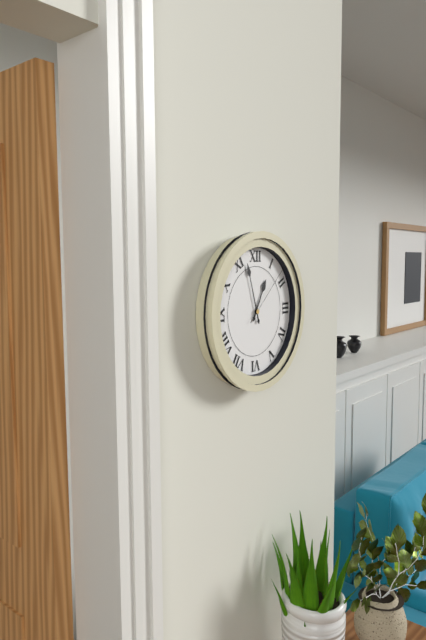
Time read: 12,57,08
